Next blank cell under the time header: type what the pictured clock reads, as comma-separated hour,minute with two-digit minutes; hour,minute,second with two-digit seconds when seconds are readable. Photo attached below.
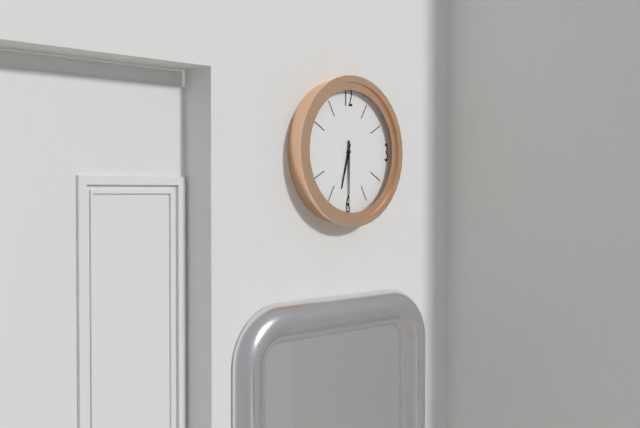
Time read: 6,30
